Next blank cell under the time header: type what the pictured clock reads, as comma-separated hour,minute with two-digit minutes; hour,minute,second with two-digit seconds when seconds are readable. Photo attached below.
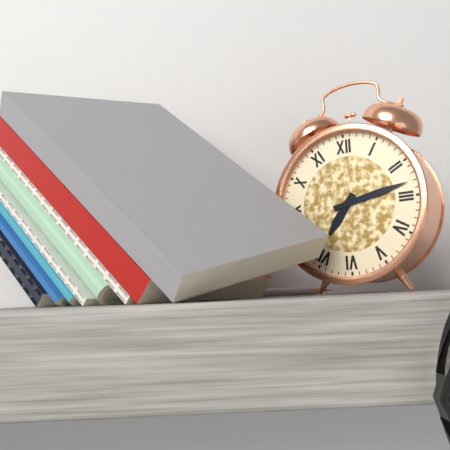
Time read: 7,13
